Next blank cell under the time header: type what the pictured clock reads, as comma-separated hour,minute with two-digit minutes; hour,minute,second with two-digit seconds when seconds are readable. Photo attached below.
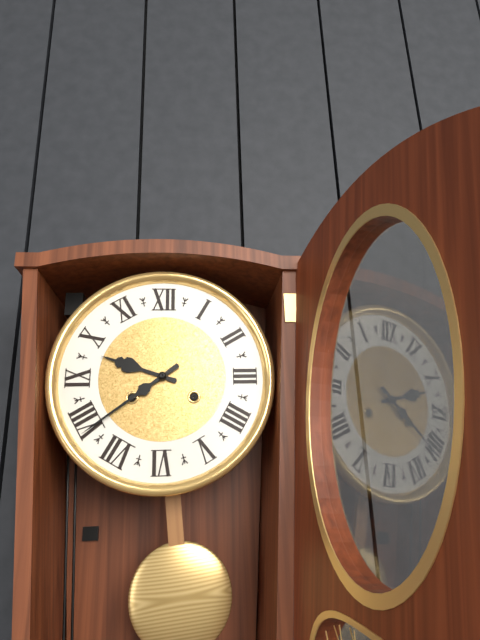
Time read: 9,39
